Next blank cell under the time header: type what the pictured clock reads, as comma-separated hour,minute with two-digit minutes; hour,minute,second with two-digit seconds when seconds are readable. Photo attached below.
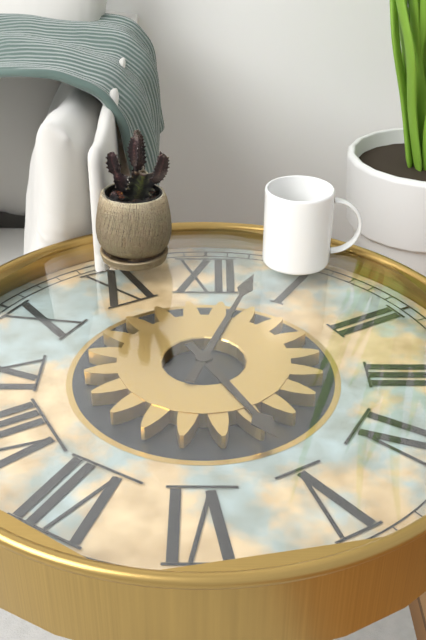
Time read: 5,03
